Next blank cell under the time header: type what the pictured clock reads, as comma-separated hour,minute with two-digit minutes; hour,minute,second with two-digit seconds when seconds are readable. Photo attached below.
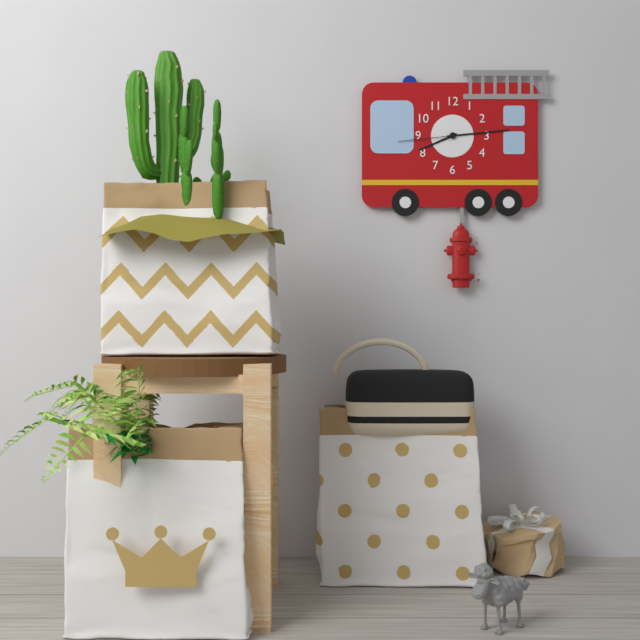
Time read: 8,14,44
